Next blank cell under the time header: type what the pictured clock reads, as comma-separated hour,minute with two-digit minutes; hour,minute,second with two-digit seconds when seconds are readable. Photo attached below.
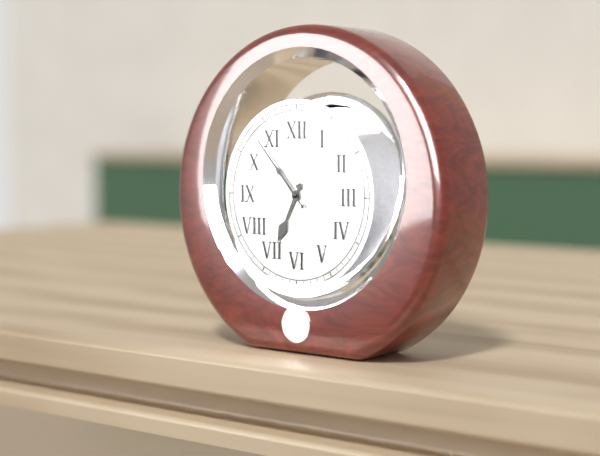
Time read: 6,53
